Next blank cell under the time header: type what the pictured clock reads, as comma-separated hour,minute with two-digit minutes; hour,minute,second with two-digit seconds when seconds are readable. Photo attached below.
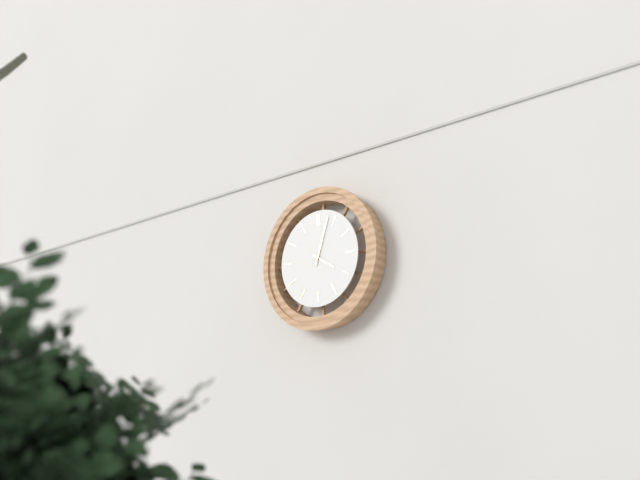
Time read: 4,03
